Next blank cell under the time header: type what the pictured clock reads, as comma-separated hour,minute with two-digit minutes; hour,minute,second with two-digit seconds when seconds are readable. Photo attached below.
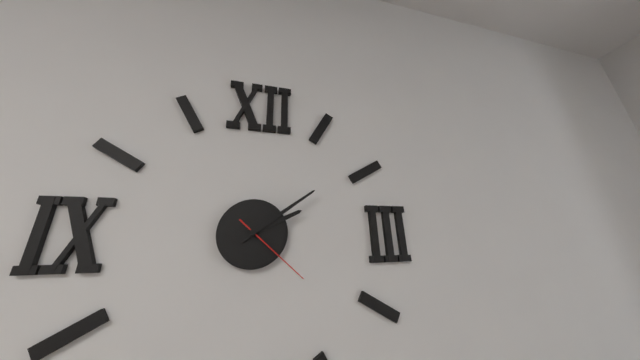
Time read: 2,09,22
